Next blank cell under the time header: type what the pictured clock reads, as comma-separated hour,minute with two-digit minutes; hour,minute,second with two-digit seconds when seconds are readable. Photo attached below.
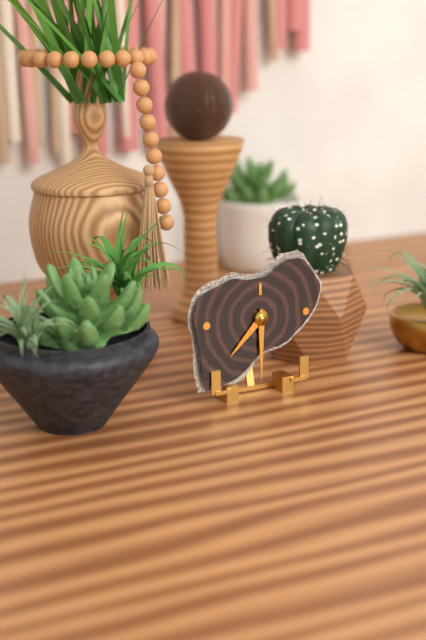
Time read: 7,30
